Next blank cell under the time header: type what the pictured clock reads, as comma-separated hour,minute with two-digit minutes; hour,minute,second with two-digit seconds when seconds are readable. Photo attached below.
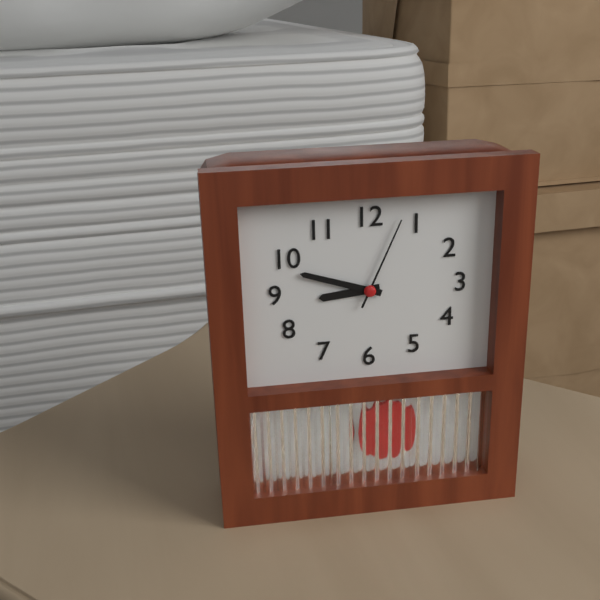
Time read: 8,48,04
